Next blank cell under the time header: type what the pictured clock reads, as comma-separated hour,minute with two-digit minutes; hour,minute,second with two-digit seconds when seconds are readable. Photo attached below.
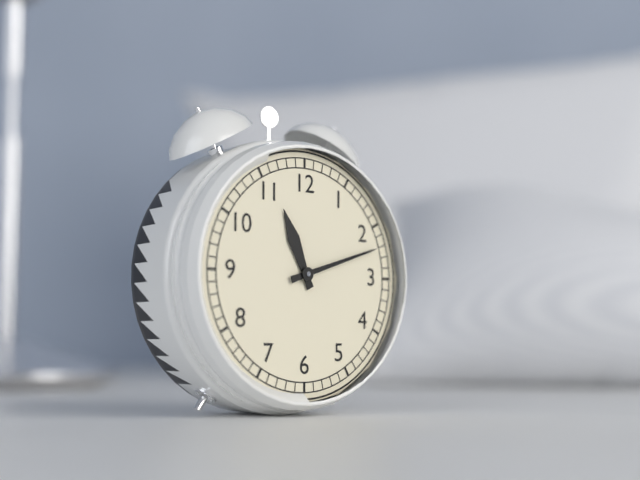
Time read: 11,12
